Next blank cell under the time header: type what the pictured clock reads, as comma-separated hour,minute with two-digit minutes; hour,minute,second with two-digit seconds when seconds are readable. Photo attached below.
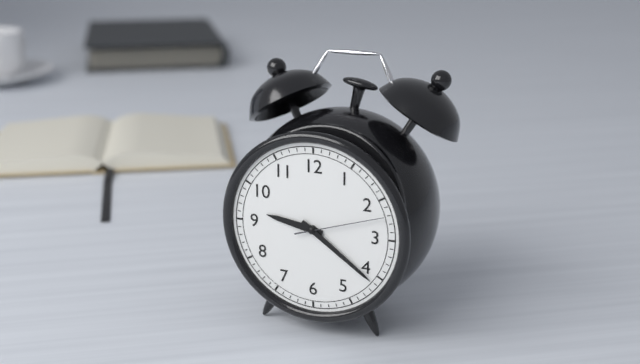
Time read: 9,21,12
